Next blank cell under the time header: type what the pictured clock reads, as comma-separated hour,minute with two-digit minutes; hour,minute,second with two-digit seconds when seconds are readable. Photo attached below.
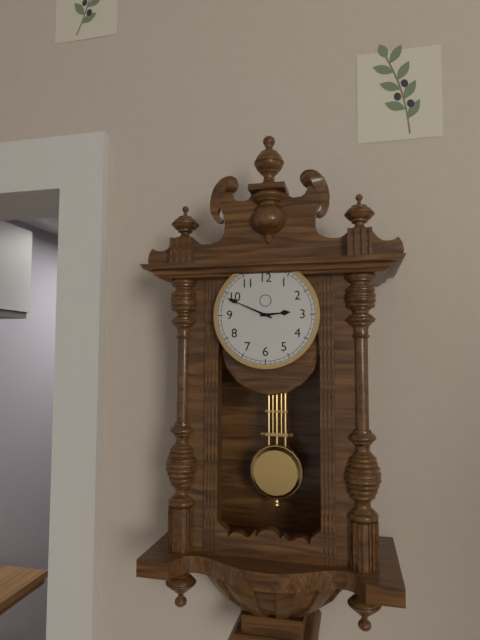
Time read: 2,49
